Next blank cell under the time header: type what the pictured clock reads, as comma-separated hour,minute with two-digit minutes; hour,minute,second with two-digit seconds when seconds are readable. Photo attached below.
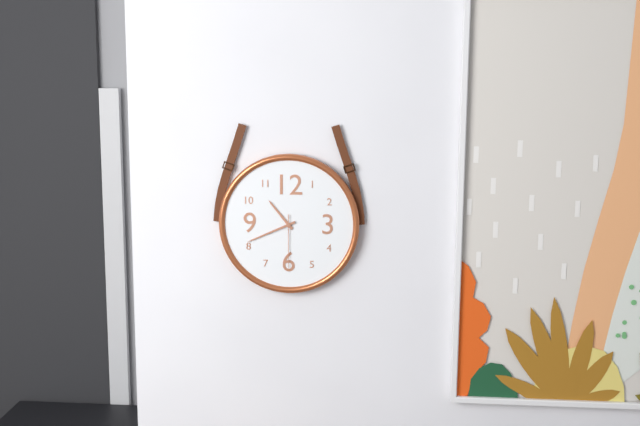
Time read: 10,41,30
